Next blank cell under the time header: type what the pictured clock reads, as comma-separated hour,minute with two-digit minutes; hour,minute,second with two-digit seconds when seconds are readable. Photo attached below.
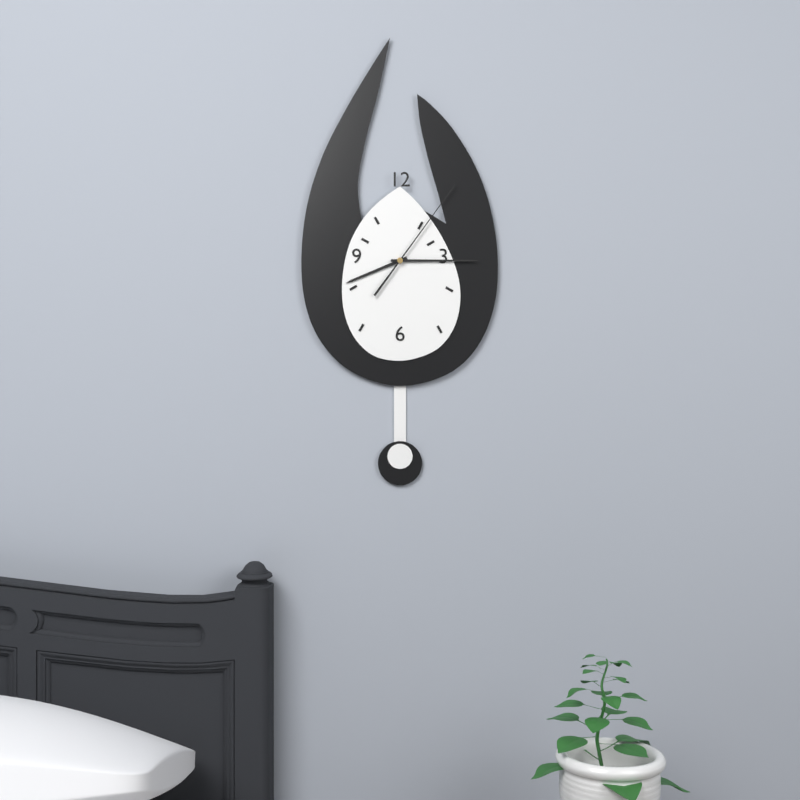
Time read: 8,15,06
